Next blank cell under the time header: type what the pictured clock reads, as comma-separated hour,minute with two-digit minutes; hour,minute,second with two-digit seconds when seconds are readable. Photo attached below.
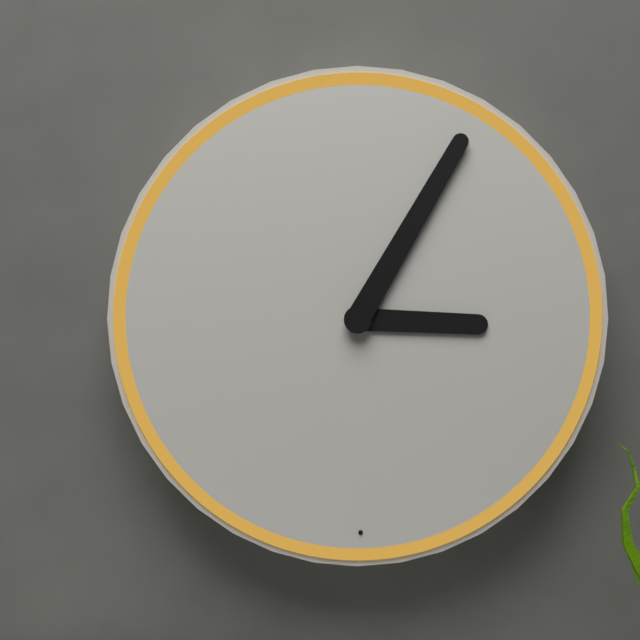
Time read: 3,05
